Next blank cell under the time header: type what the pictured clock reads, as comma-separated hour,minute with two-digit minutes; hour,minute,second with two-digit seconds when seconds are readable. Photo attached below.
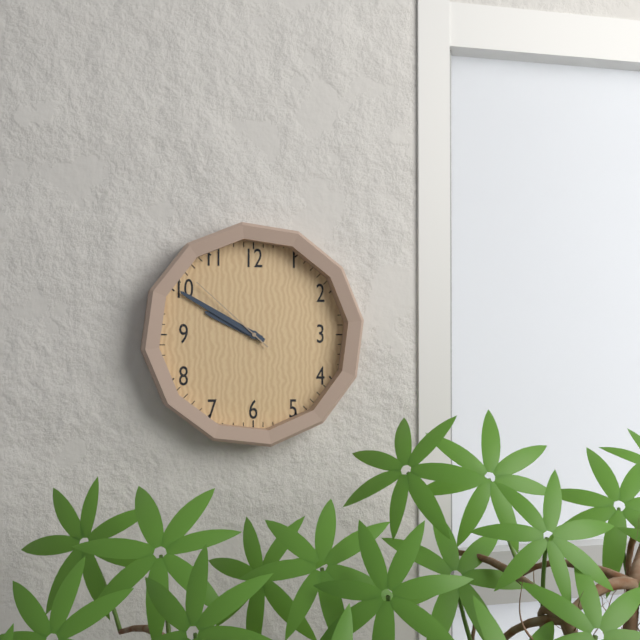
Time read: 9,50,52
